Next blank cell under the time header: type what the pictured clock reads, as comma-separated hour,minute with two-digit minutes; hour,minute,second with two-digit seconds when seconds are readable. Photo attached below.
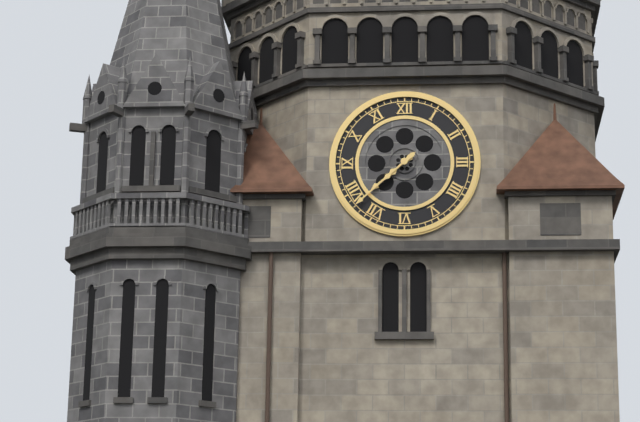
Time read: 7,38
